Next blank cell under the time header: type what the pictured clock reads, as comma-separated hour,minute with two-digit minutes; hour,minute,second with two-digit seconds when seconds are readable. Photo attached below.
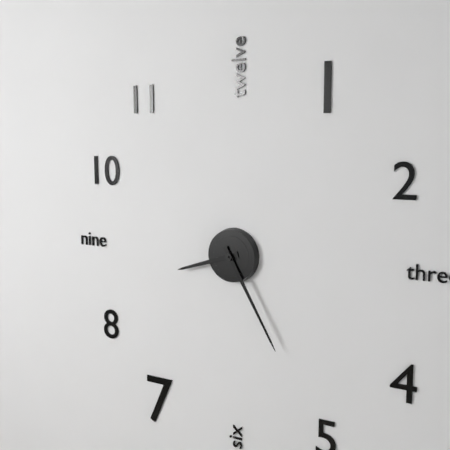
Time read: 8,25
